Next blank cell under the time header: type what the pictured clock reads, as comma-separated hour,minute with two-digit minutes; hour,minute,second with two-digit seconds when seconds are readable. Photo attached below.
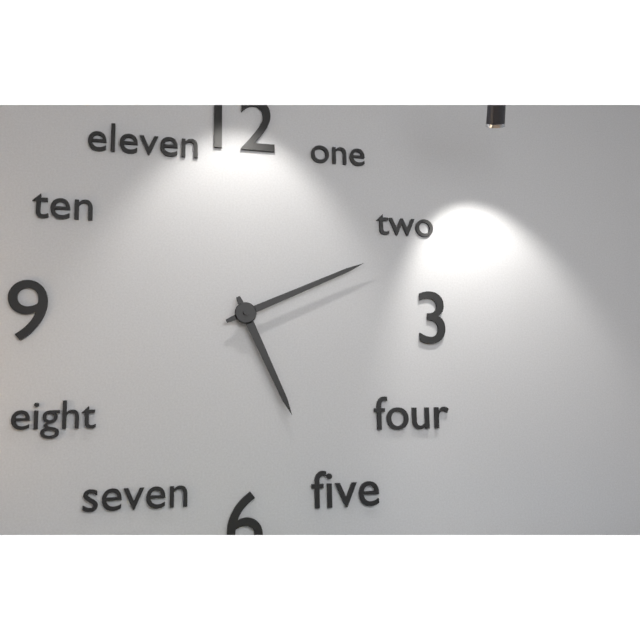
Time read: 5,11
